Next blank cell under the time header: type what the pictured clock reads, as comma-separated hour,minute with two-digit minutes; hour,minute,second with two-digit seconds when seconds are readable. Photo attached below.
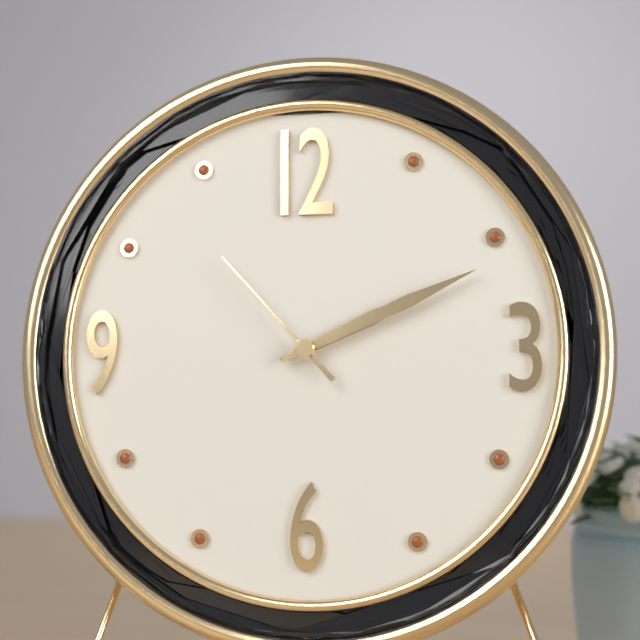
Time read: 2,11,53
